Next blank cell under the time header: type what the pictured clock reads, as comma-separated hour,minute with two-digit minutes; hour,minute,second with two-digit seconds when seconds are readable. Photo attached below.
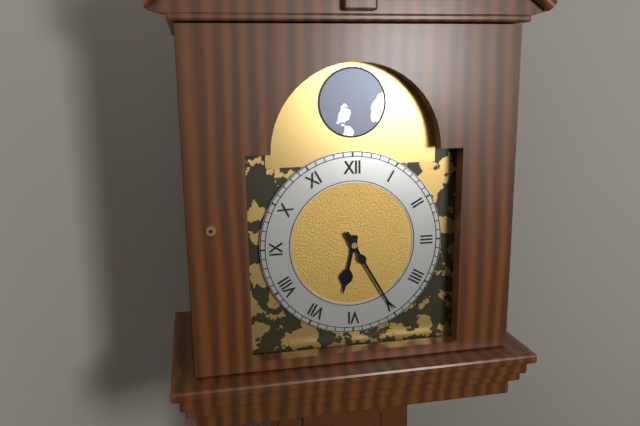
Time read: 6,25
